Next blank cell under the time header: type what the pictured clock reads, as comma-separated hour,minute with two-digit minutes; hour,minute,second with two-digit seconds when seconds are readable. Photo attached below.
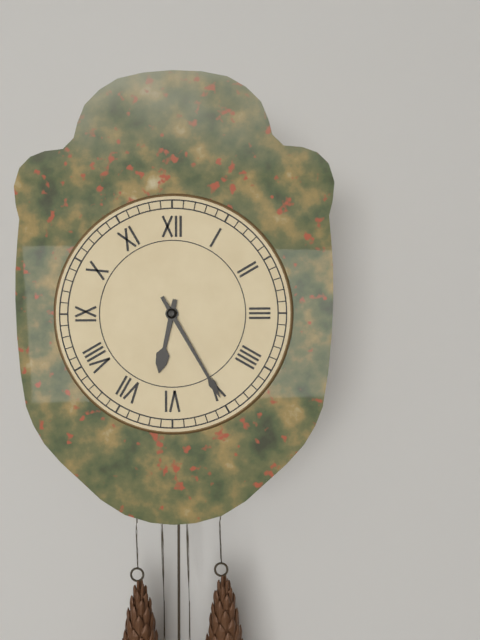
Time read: 6,25
